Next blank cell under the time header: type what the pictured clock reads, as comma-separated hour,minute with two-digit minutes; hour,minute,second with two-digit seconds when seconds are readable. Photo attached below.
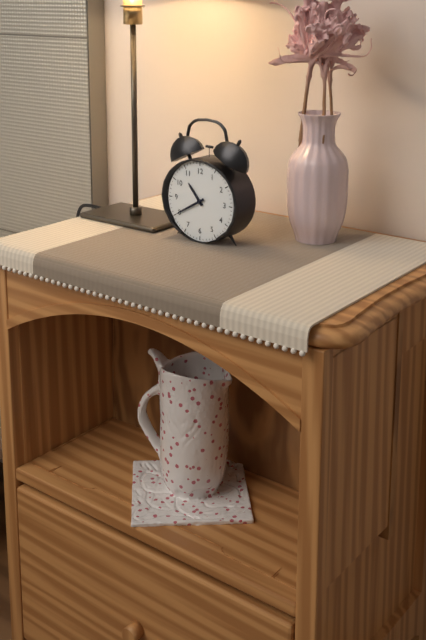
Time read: 10,40
